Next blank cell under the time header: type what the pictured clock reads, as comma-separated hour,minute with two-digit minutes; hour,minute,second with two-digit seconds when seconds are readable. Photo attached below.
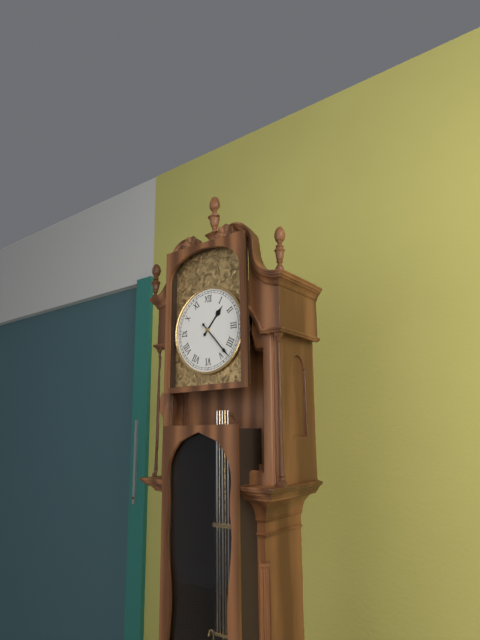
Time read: 1,23
